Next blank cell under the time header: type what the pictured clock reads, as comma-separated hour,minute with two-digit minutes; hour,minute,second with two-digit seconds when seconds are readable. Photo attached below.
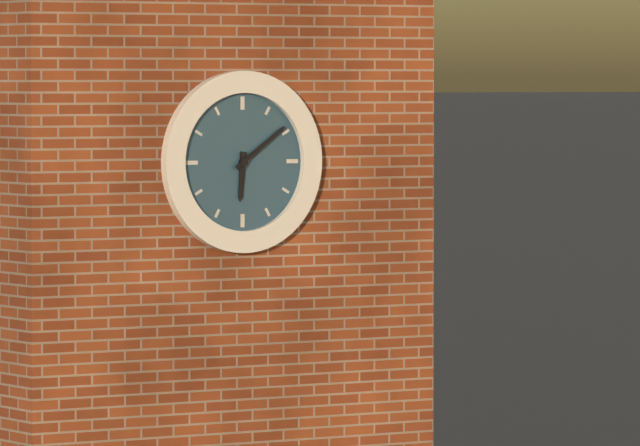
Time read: 6,09
